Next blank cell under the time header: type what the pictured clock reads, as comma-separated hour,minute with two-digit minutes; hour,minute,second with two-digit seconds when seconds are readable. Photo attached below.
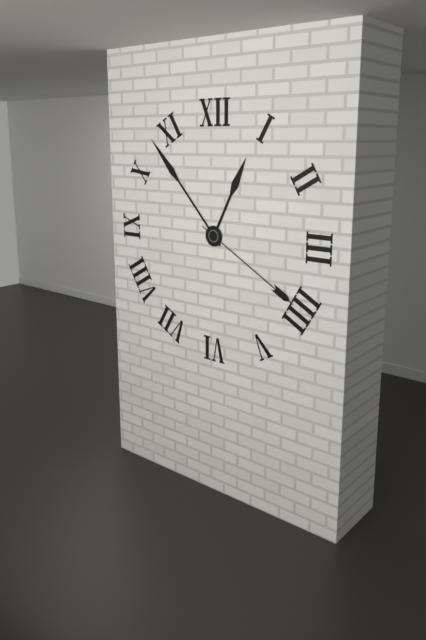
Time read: 12,53,20
